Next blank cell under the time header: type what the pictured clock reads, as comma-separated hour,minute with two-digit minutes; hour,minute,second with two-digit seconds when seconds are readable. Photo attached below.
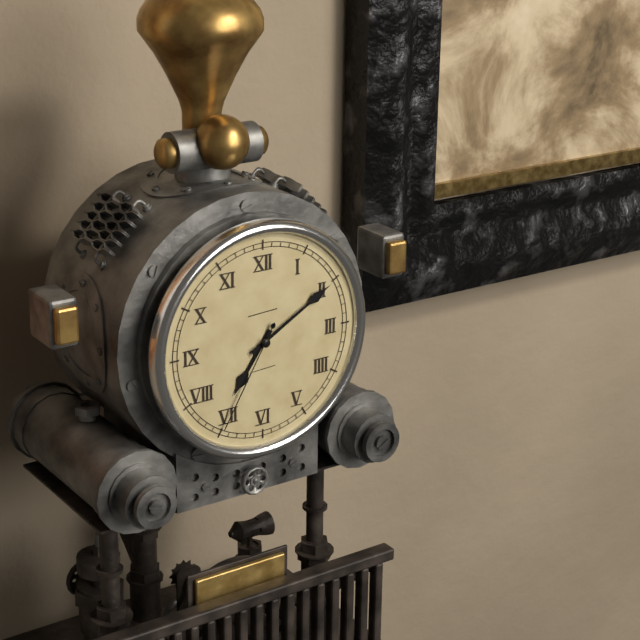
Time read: 7,10,35
